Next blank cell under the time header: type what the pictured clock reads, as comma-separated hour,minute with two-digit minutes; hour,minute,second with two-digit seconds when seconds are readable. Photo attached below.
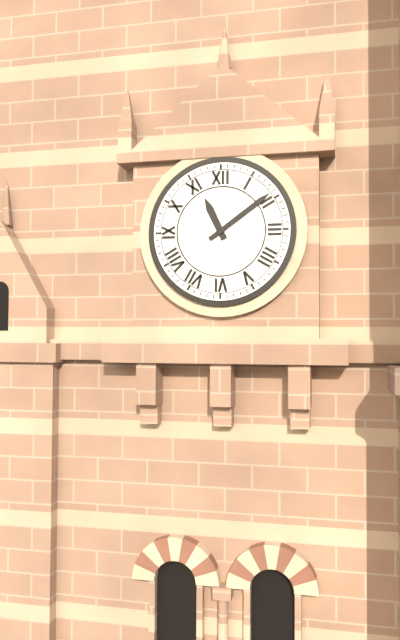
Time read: 11,09
